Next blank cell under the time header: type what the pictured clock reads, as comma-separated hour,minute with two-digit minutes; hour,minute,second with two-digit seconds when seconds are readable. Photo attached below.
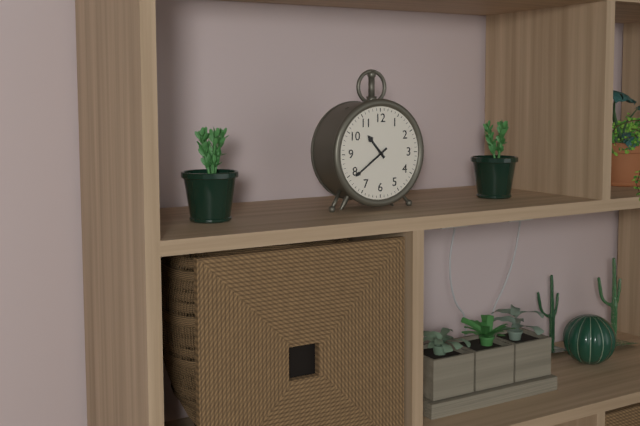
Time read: 10,39
